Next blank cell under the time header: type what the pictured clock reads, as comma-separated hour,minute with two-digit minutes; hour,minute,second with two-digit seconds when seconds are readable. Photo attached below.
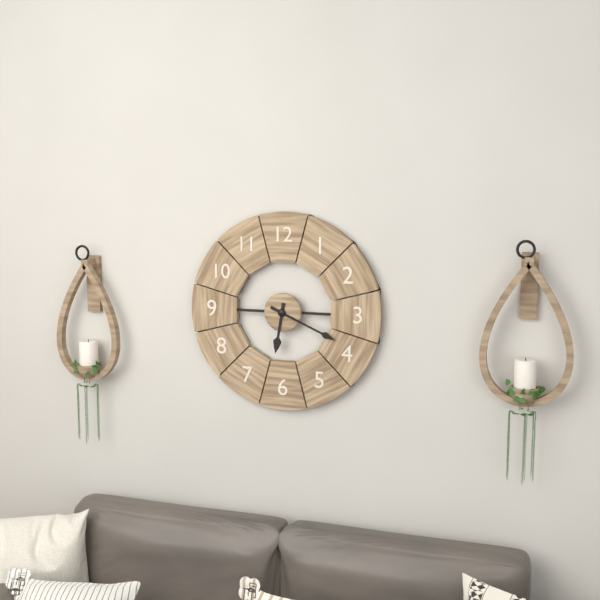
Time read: 6,19
